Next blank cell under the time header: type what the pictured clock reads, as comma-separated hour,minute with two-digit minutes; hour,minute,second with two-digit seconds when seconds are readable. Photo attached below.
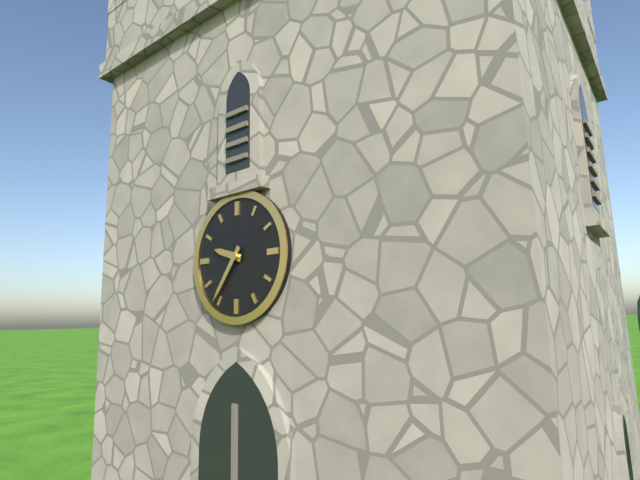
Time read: 9,36
